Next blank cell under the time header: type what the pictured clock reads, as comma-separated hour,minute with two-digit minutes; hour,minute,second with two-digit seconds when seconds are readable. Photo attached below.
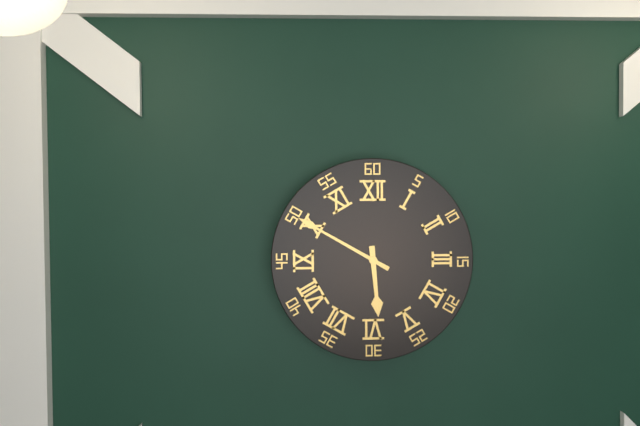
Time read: 5,50
